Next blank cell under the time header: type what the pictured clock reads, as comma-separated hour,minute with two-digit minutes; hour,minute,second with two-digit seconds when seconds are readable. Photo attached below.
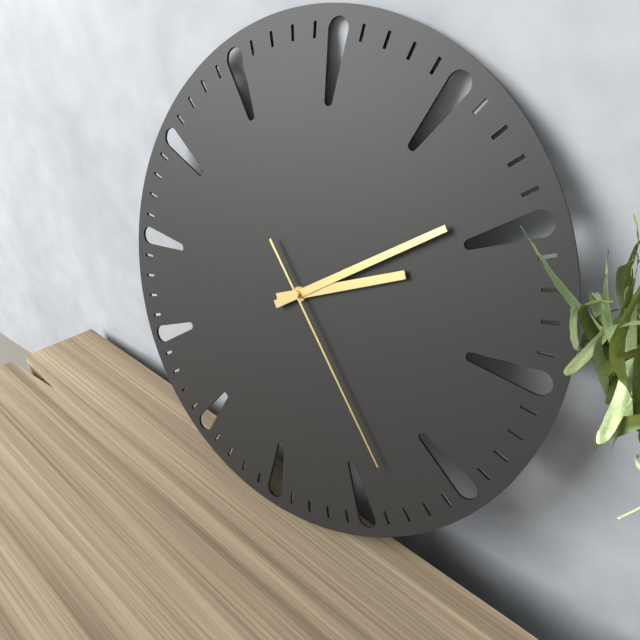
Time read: 2,09,23
